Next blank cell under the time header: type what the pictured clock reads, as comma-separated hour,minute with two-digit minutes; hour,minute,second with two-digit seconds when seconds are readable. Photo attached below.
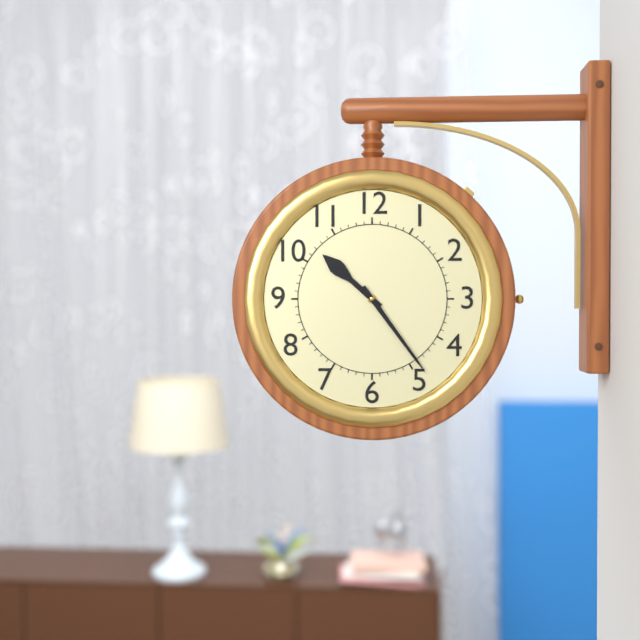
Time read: 10,24
